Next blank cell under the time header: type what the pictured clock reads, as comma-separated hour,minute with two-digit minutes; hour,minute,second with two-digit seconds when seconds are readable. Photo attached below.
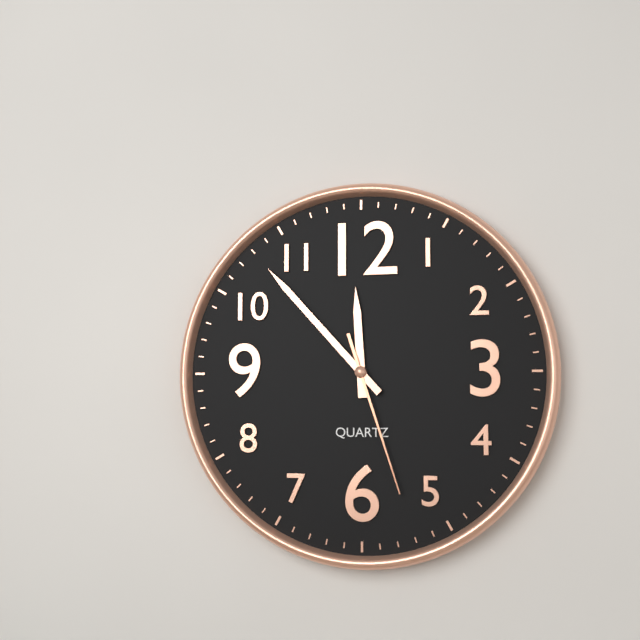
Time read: 11,53,27
